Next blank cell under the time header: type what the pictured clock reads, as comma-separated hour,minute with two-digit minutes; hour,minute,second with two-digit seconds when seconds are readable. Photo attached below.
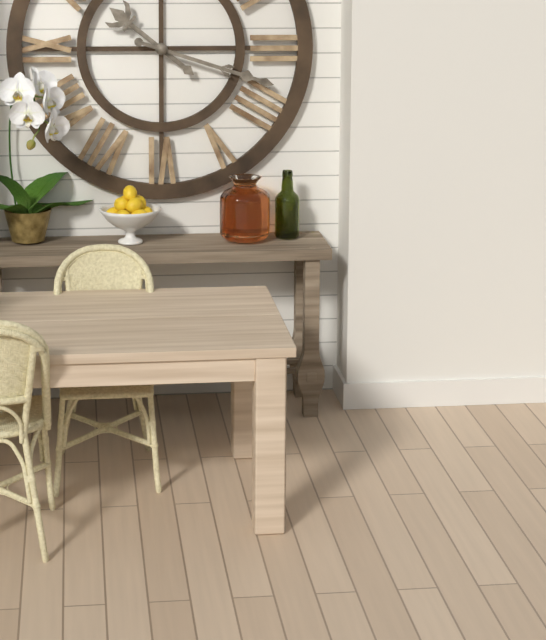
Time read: 10,18
